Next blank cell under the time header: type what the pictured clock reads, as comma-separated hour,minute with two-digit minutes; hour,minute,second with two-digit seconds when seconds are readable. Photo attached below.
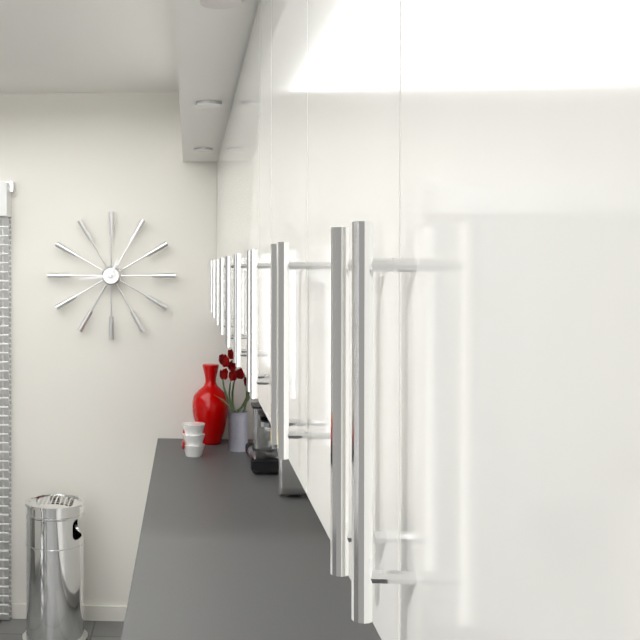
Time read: 12,44
